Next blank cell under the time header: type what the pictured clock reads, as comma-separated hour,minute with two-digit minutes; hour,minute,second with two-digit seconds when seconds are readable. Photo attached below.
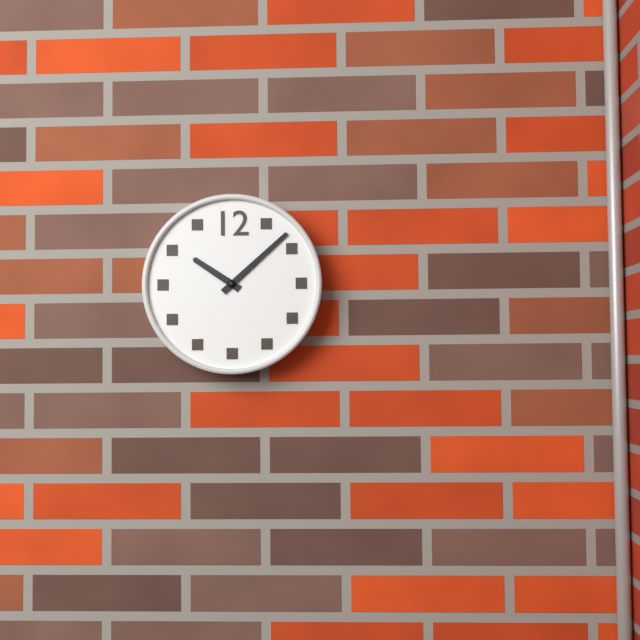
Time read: 10,08
